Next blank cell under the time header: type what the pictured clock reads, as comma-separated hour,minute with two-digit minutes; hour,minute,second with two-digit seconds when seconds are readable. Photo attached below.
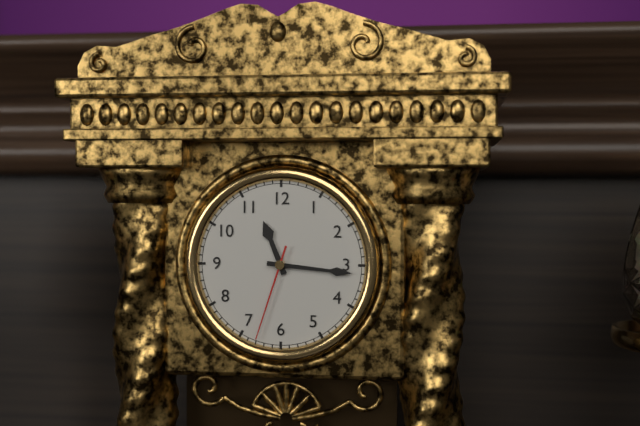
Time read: 11,16,33
